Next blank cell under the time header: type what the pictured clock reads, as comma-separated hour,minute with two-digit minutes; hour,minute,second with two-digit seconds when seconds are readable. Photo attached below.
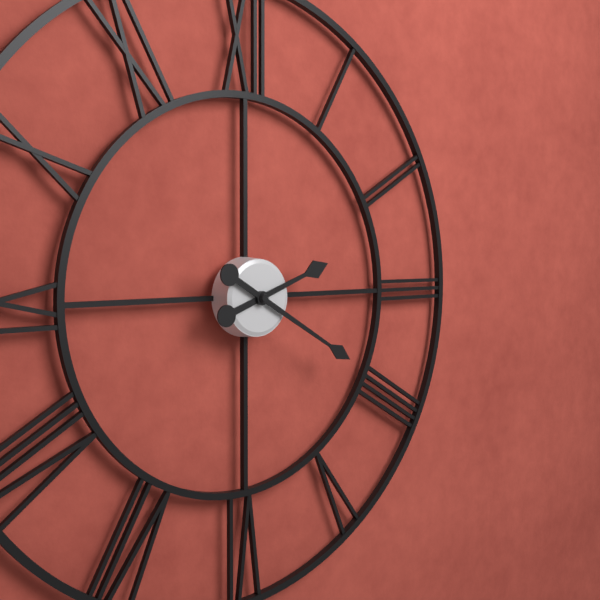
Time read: 2,20
